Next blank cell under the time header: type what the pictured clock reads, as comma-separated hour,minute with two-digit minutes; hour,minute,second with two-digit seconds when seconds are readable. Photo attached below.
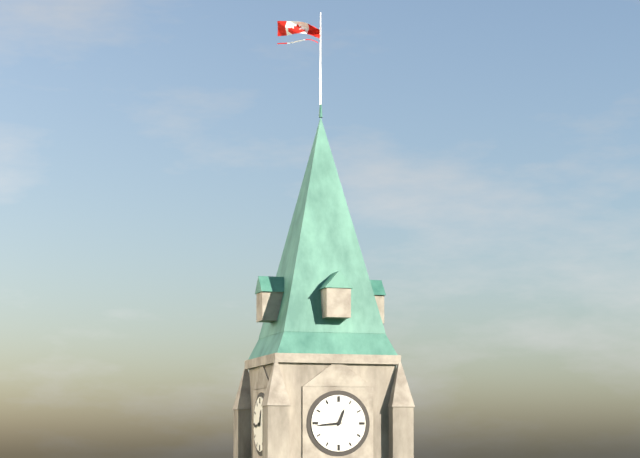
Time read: 12,44
